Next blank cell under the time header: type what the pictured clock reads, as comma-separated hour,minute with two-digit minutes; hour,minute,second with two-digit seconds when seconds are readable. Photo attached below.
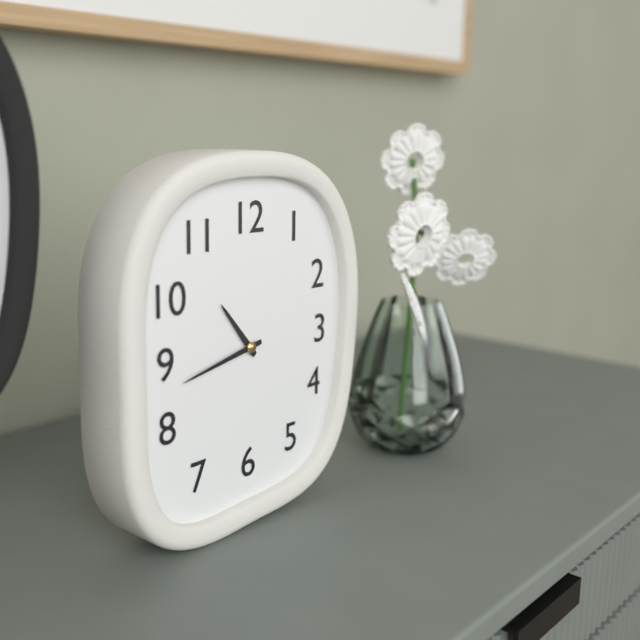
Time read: 10,43
